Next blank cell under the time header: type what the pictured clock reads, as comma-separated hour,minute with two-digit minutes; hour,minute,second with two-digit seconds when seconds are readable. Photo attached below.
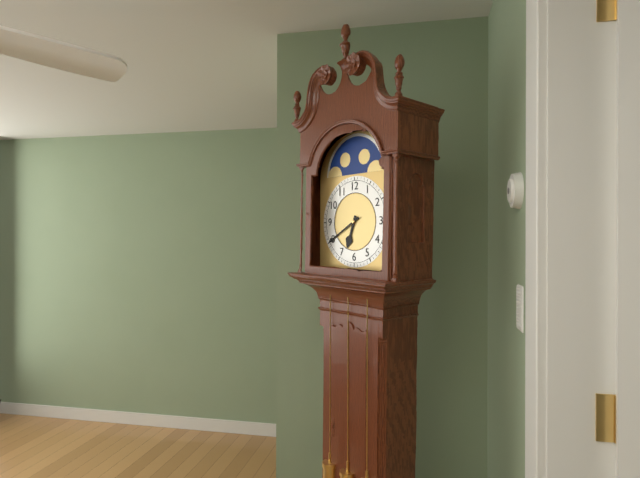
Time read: 6,40
